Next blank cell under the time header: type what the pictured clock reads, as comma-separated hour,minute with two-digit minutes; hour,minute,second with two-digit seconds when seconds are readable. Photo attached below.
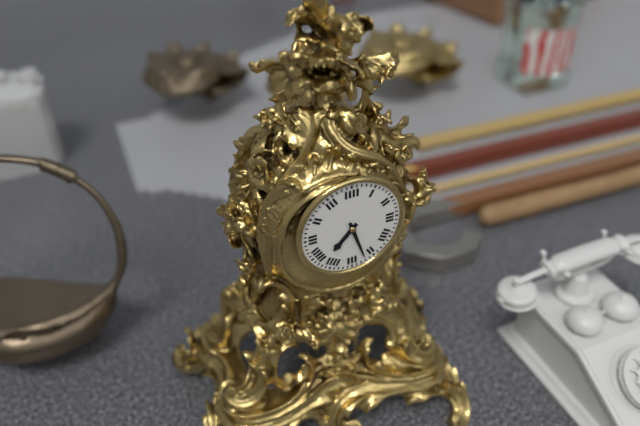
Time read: 7,27
